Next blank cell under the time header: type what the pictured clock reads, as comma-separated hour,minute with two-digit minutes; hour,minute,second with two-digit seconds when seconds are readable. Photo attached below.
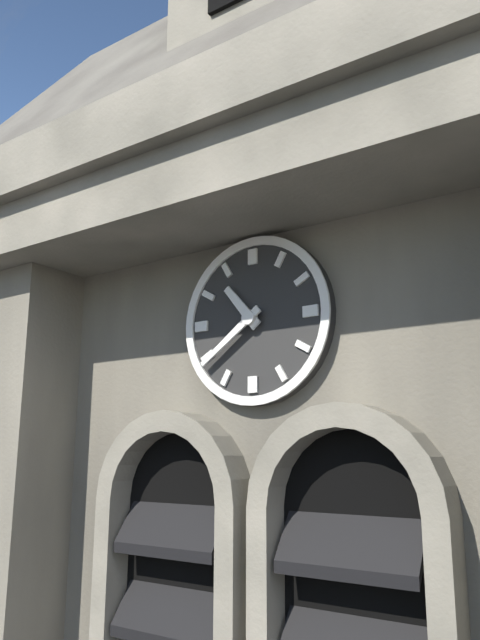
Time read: 10,39
